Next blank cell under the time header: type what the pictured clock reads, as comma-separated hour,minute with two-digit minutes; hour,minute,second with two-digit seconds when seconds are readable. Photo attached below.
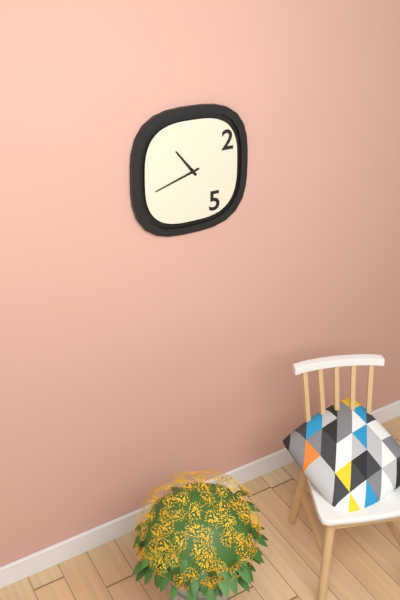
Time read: 10,42
